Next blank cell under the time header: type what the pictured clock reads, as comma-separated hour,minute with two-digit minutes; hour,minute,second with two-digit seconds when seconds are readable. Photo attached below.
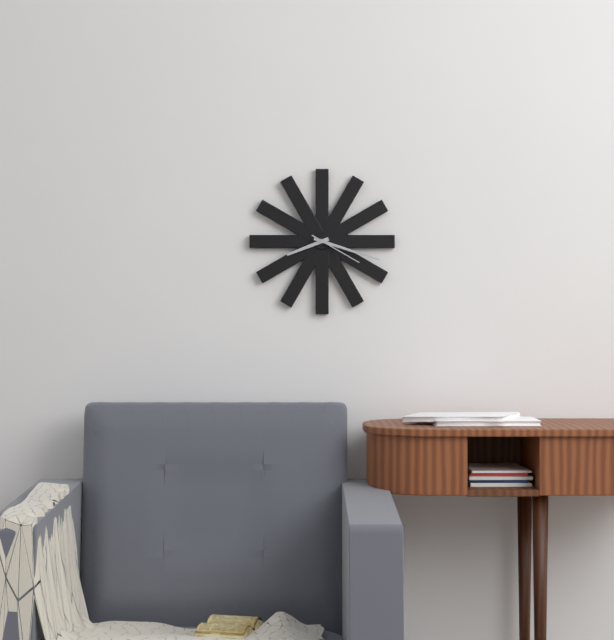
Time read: 8,18,20
